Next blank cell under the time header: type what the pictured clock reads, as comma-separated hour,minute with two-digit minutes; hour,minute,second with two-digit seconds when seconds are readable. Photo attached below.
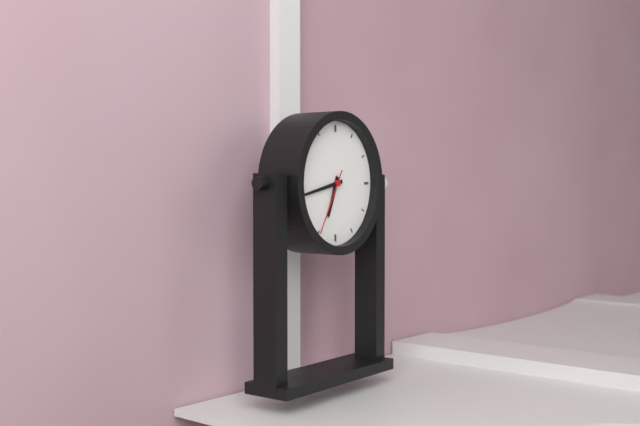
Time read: 6,43,35
